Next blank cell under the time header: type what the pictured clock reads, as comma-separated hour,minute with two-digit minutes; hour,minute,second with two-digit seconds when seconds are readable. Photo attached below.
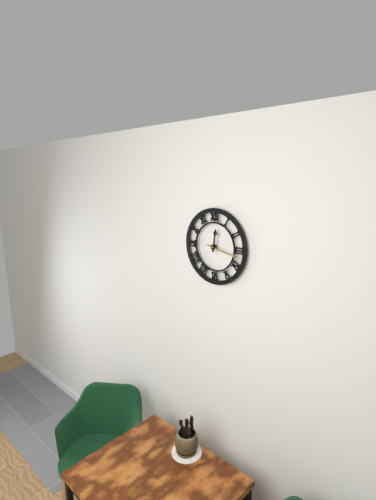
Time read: 12,17
